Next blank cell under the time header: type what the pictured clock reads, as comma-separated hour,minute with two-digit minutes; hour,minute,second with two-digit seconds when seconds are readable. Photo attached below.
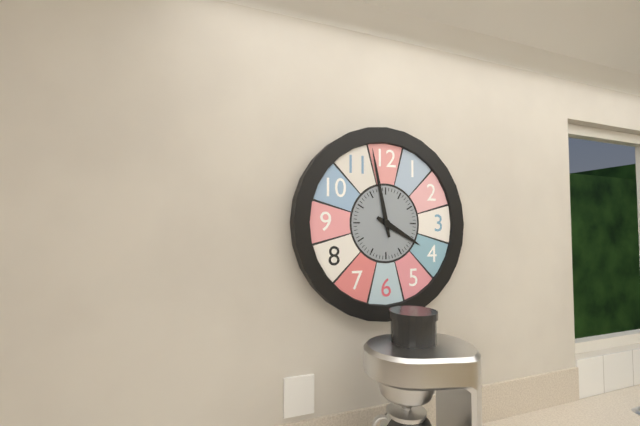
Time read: 3,58
